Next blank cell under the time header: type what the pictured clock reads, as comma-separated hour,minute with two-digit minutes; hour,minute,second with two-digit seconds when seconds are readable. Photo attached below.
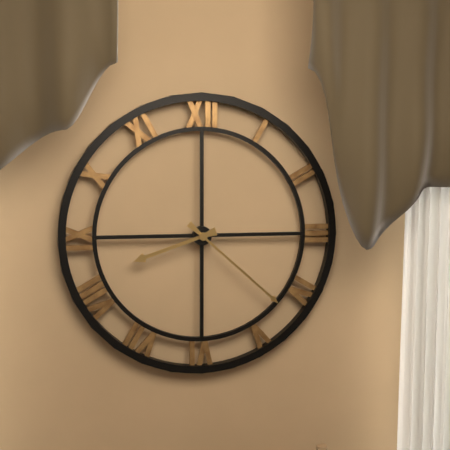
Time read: 8,22
